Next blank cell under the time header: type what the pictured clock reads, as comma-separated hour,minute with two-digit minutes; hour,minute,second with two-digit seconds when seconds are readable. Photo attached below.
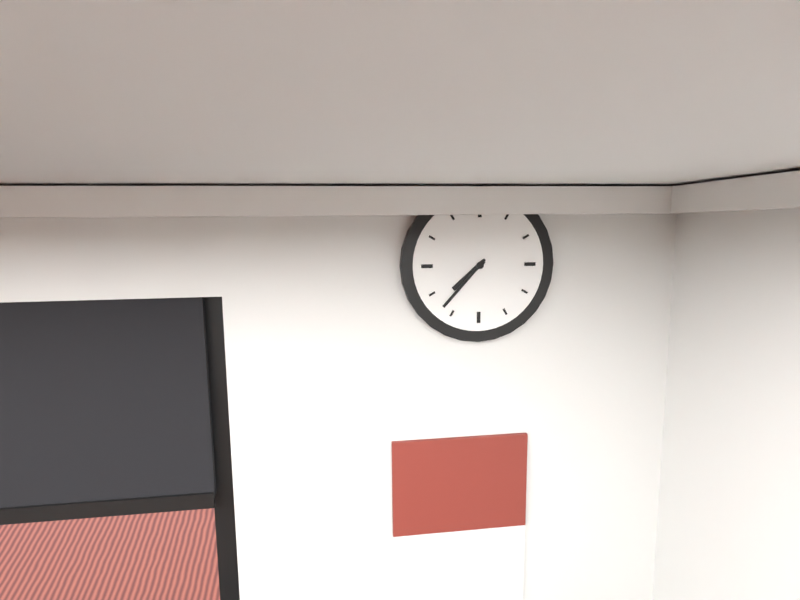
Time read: 7,37
